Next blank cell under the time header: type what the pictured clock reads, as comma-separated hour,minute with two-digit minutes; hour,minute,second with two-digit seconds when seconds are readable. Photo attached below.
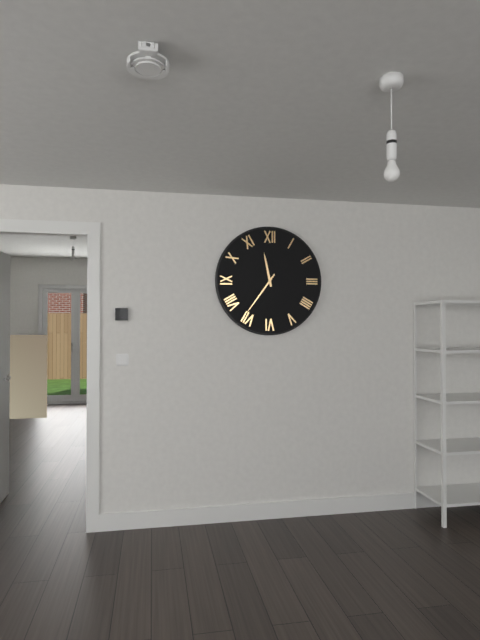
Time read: 11,36
